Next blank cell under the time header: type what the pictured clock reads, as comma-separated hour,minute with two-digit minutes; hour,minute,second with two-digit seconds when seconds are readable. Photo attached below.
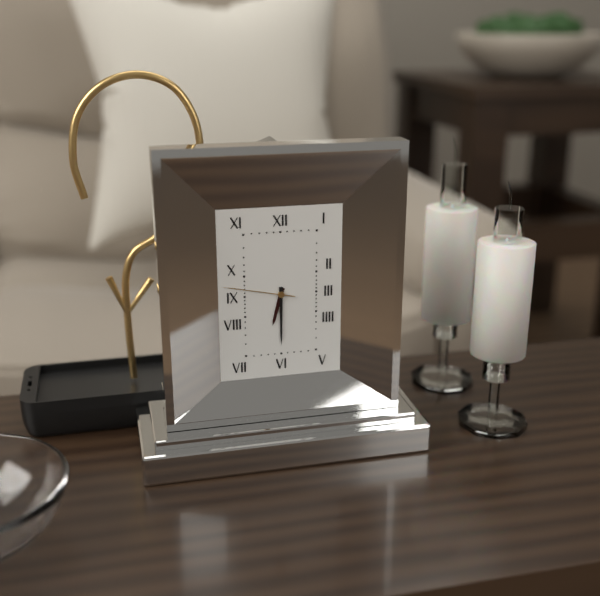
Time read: 6,30,47
